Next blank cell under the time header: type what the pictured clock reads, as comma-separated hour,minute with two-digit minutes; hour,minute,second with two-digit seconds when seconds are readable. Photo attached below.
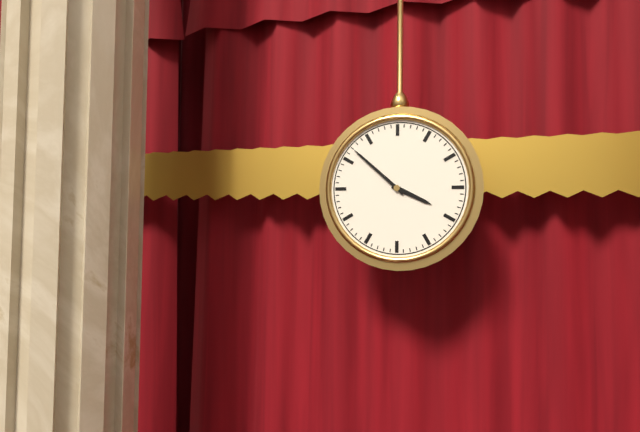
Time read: 3,52
